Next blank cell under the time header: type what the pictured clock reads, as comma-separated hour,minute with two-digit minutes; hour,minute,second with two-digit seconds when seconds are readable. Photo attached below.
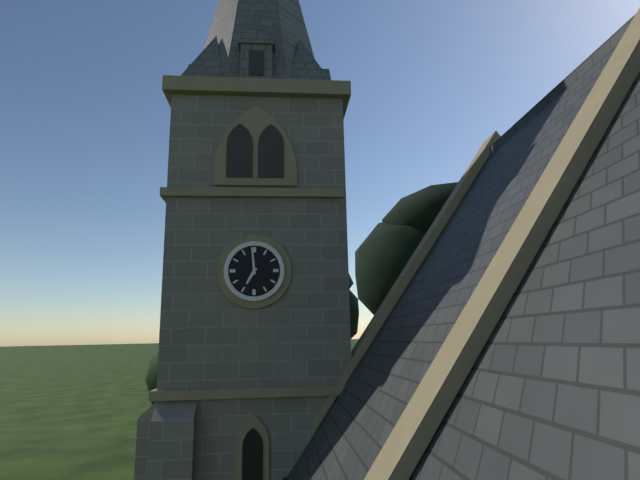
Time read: 6,59
